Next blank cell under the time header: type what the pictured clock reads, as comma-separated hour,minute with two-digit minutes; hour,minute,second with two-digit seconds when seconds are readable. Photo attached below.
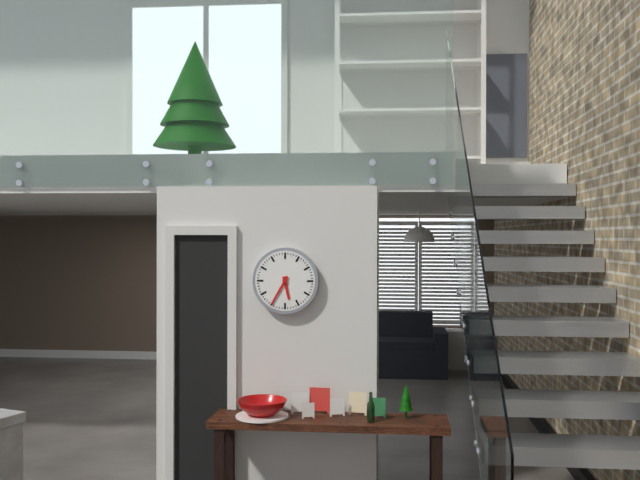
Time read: 5,35
